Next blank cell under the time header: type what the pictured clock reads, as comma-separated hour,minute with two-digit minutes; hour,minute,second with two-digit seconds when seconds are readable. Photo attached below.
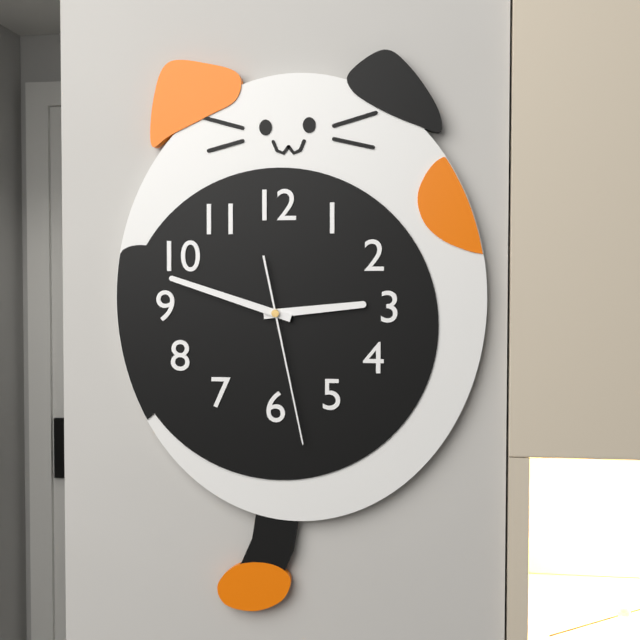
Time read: 2,48,28
